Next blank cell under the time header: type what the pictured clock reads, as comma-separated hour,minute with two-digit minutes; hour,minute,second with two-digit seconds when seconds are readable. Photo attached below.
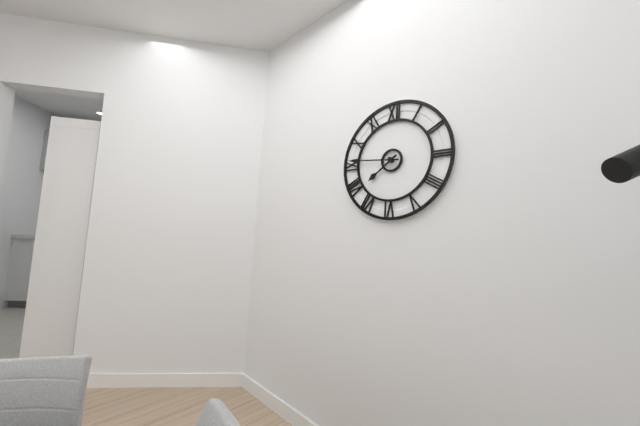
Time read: 7,46
